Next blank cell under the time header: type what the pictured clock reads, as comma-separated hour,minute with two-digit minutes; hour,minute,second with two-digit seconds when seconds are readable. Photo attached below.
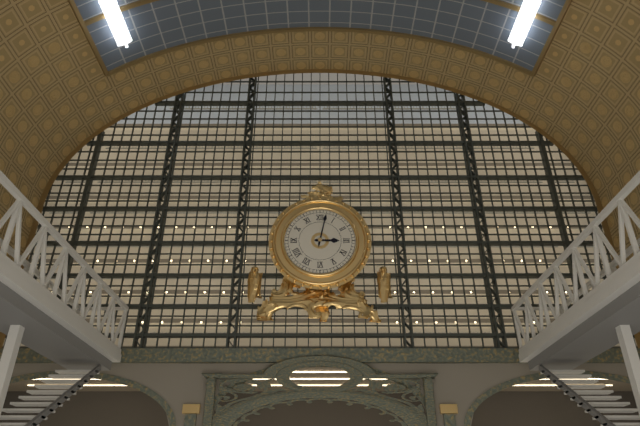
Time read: 3,02
